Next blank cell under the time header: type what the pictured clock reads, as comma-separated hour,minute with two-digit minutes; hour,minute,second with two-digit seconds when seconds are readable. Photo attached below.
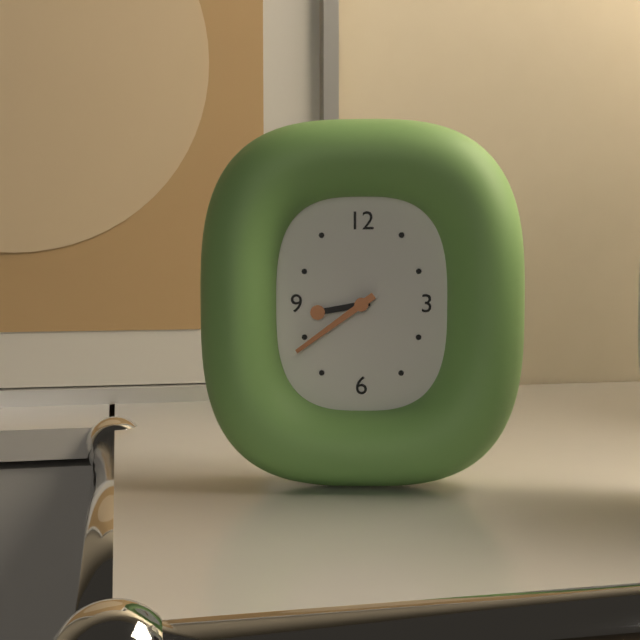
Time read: 8,39
